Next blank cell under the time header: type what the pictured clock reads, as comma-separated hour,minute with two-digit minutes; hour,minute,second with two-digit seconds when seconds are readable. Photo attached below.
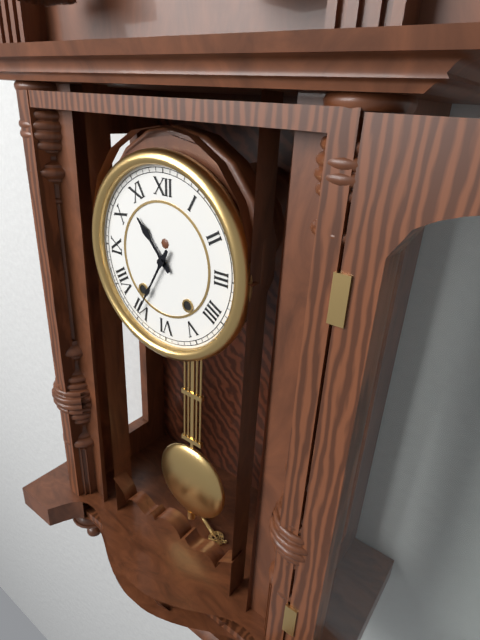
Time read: 10,35
